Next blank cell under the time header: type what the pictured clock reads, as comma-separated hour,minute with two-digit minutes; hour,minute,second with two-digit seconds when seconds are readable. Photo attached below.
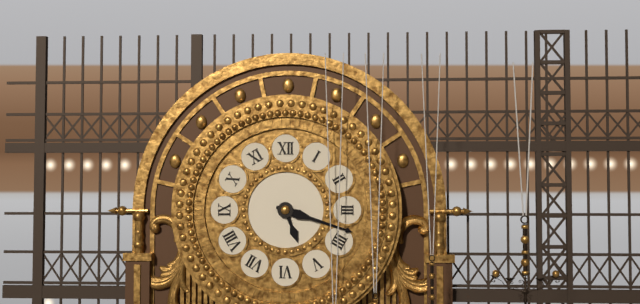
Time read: 5,18
